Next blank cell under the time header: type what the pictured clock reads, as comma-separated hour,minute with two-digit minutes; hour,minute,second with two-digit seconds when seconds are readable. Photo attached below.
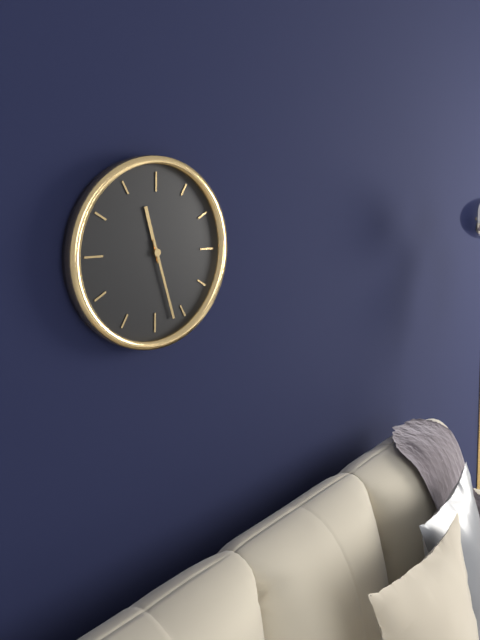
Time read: 11,27
